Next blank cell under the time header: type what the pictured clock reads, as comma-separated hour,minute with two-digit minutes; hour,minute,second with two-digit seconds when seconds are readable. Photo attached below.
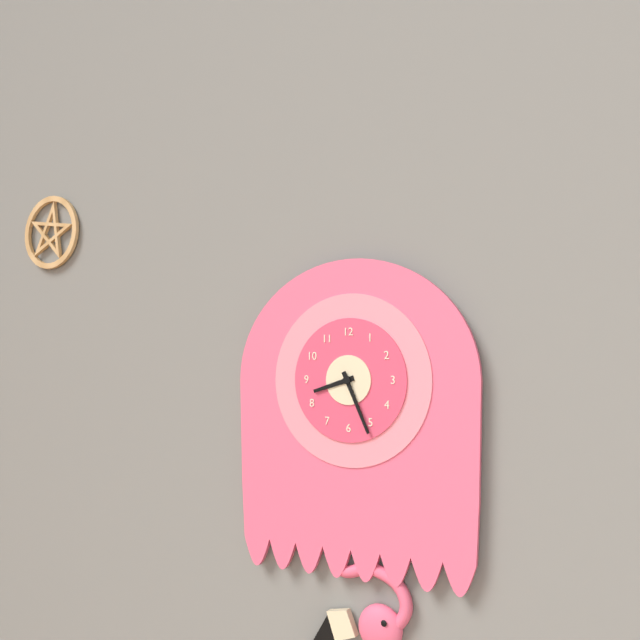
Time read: 8,26
